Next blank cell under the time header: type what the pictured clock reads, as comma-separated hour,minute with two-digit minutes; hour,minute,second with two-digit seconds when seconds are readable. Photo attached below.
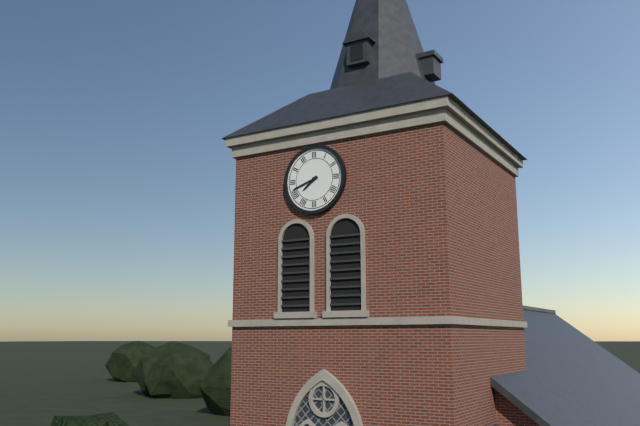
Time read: 7,42
